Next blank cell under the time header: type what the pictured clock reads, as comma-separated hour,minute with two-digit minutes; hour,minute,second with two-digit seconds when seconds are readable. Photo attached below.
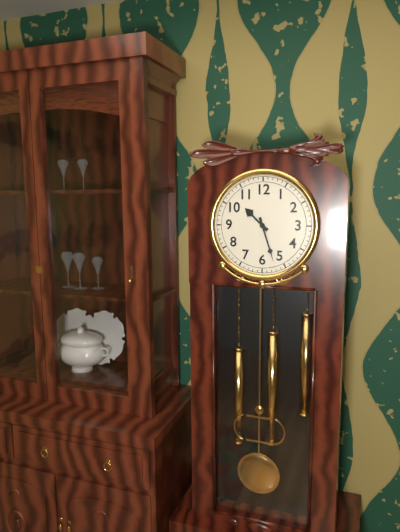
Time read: 10,27
